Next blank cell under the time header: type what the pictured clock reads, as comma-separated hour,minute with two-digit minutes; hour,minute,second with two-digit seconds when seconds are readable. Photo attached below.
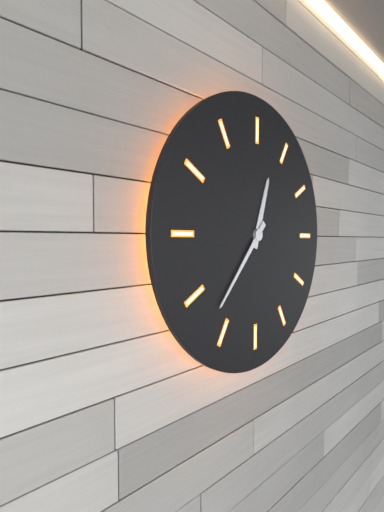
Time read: 12,37
